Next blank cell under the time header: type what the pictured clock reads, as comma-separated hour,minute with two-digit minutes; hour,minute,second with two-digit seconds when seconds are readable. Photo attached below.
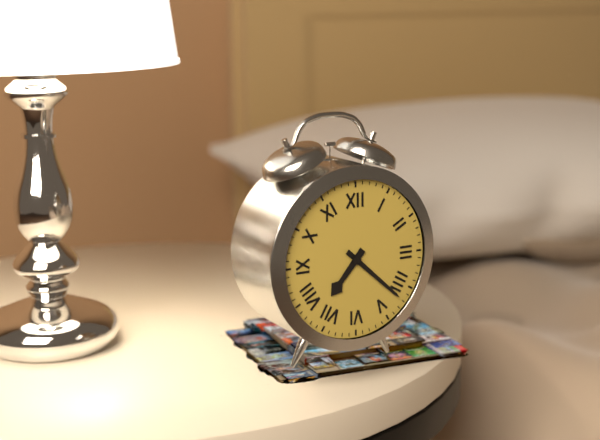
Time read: 7,22
